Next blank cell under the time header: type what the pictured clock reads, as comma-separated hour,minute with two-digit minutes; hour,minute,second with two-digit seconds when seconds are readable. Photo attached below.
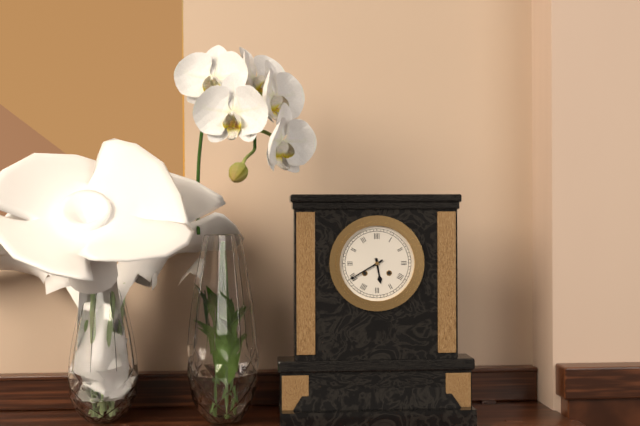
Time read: 5,40
